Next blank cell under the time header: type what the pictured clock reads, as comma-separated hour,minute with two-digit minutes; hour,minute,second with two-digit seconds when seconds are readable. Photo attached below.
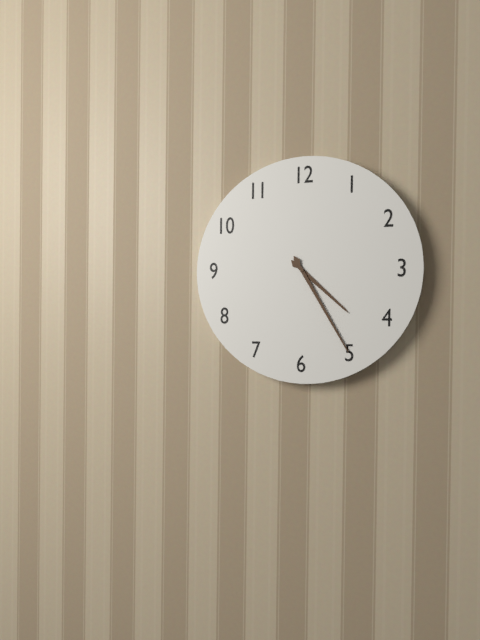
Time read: 4,25
